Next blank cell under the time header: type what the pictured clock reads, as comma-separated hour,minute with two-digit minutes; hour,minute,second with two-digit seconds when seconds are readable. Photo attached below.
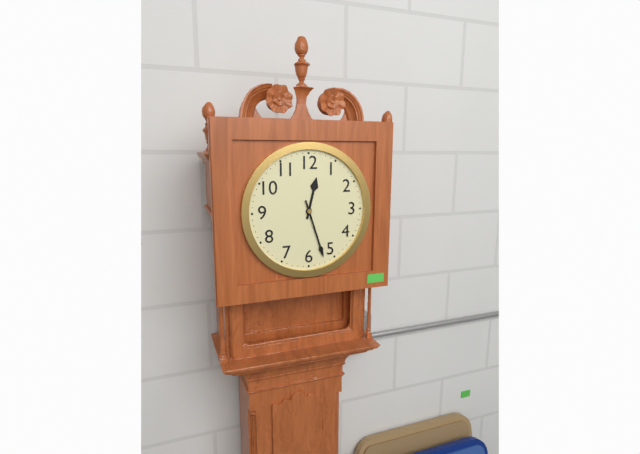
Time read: 12,27
